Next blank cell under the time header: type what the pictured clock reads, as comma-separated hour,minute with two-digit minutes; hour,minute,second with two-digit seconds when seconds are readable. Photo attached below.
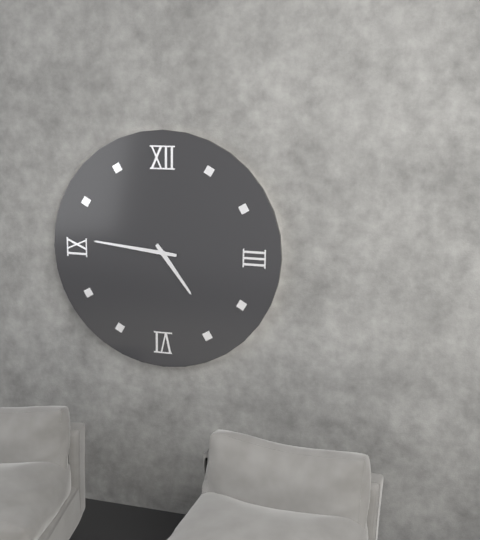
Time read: 4,46
